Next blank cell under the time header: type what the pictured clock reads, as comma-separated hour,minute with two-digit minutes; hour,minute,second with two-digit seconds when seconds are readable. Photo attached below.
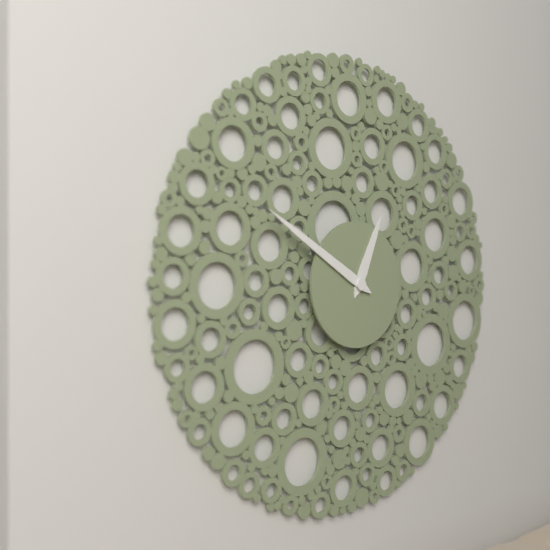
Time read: 12,50
